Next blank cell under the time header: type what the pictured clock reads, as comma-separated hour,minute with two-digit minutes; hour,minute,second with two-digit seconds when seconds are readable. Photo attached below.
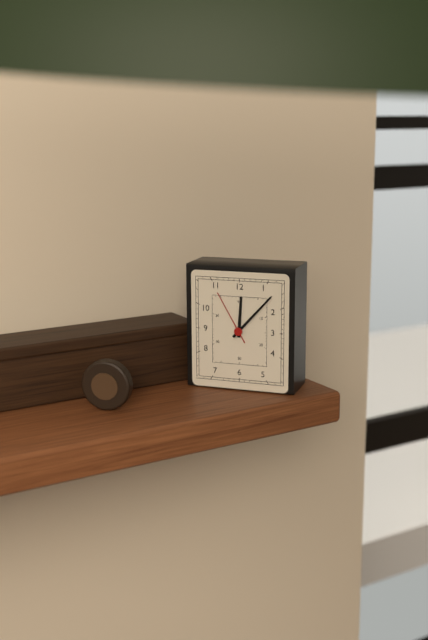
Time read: 12,07,55
